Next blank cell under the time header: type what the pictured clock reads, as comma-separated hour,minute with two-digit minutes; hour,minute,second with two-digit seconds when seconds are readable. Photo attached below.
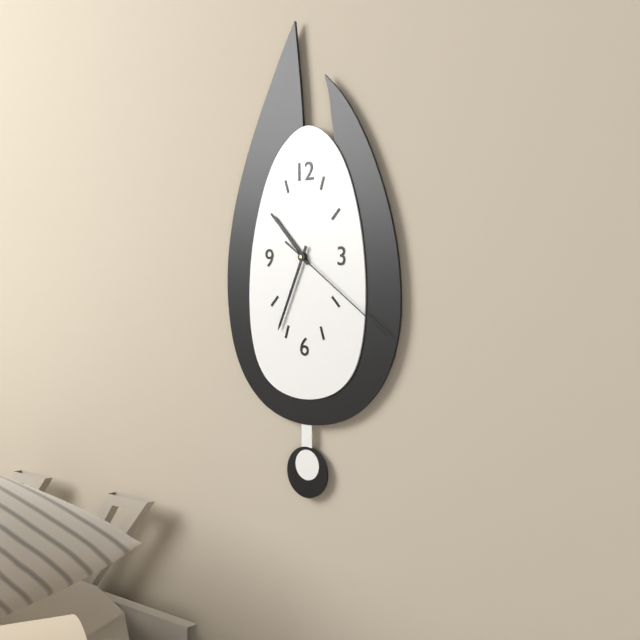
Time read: 10,34,21
